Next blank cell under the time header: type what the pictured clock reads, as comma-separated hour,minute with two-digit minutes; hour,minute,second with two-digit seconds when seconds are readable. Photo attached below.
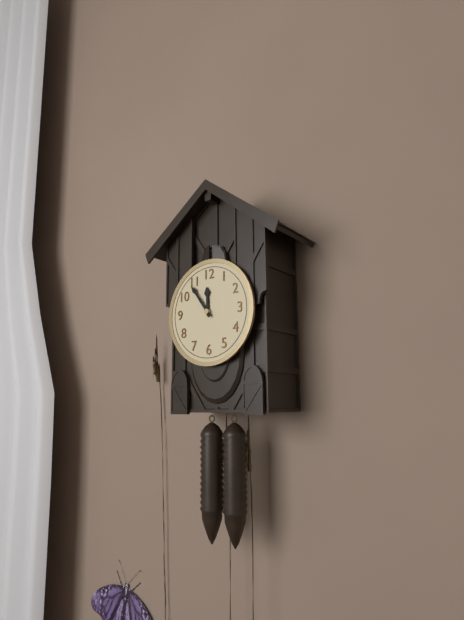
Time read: 11,54
